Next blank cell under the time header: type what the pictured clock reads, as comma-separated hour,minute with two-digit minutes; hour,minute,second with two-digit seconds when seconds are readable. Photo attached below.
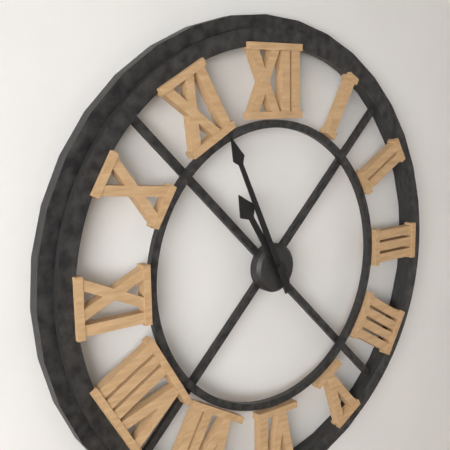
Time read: 10,56
